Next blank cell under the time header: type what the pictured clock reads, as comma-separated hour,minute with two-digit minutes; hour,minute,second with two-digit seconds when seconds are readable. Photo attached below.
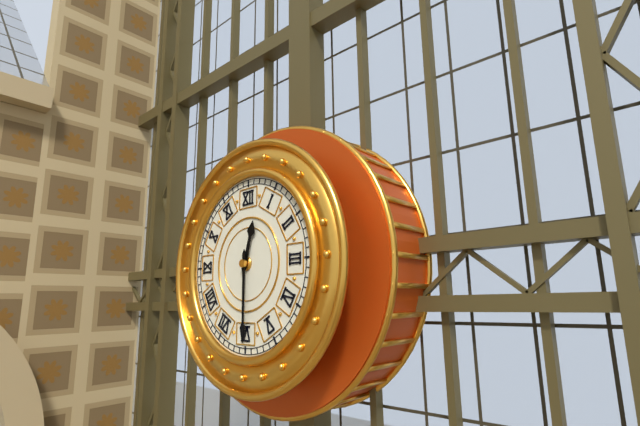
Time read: 12,30
